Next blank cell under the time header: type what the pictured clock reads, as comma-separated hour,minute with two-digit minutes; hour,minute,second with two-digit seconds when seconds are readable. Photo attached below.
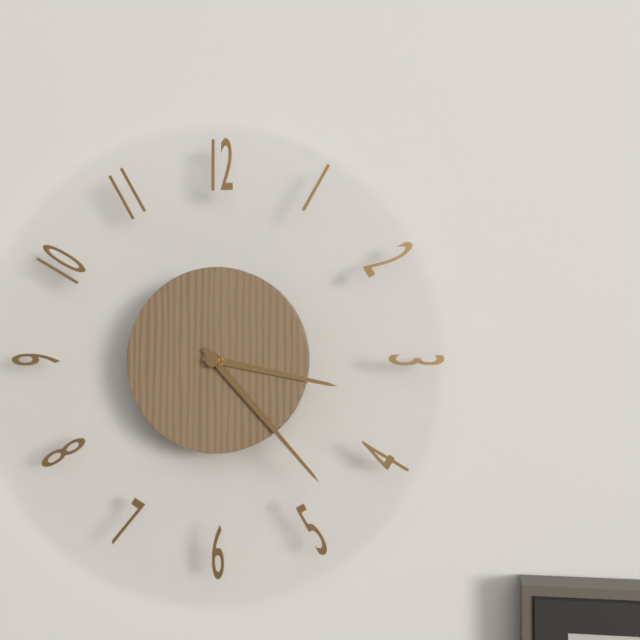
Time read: 3,23
